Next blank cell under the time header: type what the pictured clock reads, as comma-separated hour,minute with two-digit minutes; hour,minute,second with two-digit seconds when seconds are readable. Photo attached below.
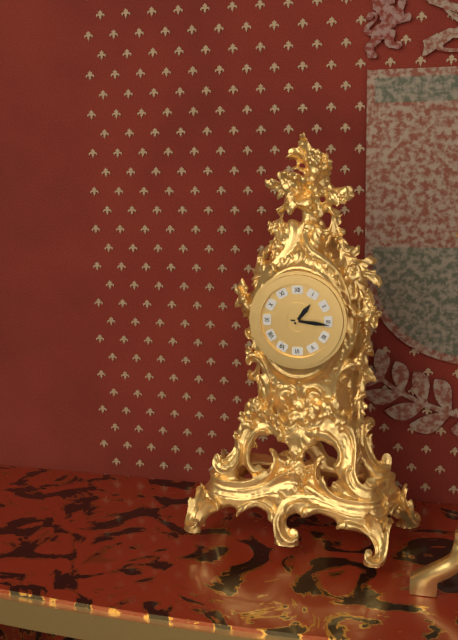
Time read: 1,16
